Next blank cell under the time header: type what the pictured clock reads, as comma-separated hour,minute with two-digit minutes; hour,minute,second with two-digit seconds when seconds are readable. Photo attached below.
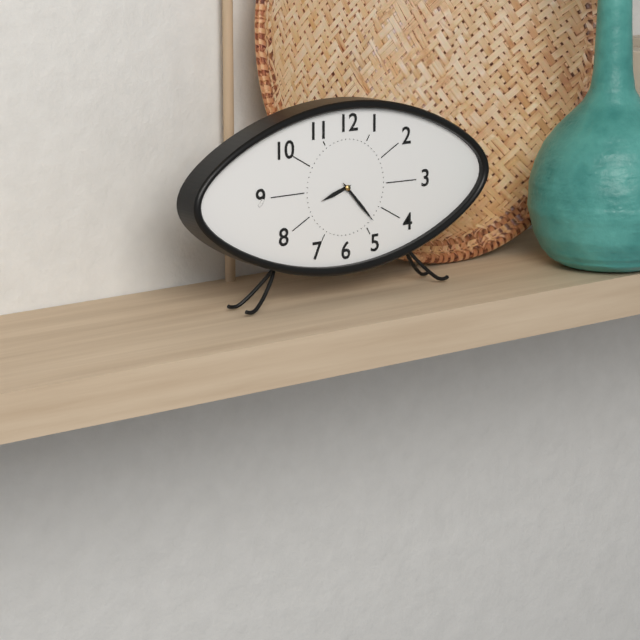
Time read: 8,23
